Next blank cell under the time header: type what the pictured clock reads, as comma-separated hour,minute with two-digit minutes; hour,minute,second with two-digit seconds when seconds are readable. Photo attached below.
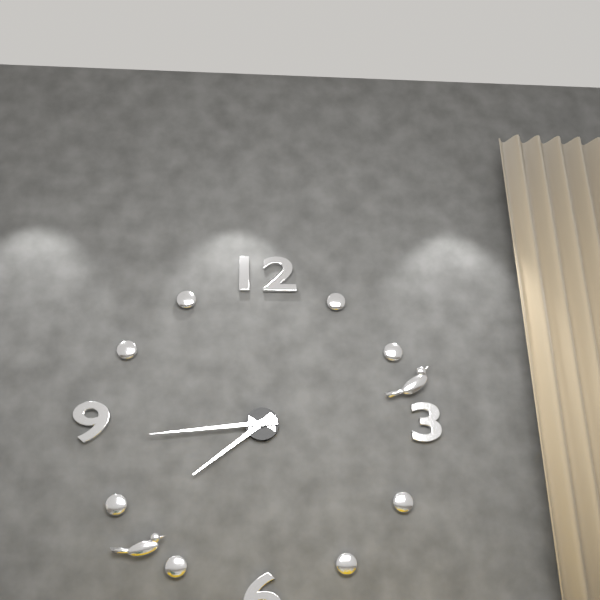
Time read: 7,44
